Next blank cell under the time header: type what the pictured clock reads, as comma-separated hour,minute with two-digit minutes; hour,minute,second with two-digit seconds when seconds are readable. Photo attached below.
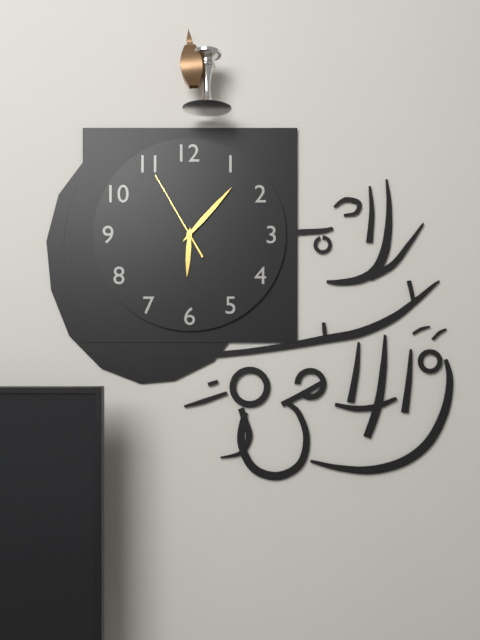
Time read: 6,07,55
